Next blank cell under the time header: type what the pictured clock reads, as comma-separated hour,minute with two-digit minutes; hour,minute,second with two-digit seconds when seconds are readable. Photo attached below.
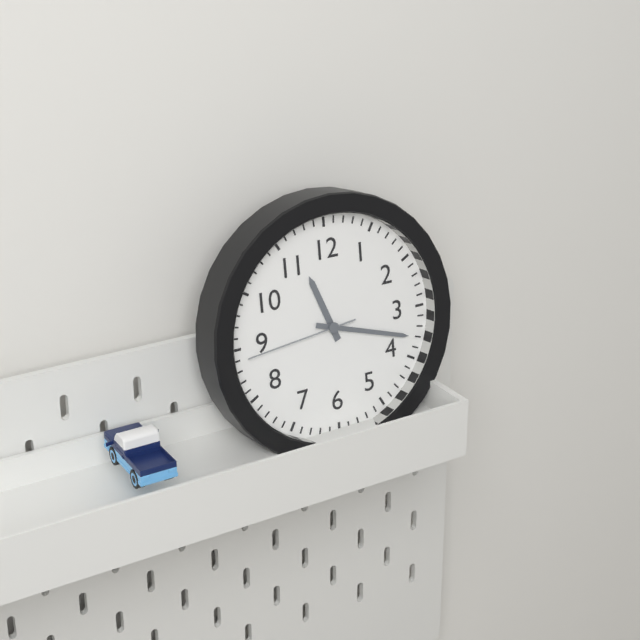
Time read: 11,18,44
